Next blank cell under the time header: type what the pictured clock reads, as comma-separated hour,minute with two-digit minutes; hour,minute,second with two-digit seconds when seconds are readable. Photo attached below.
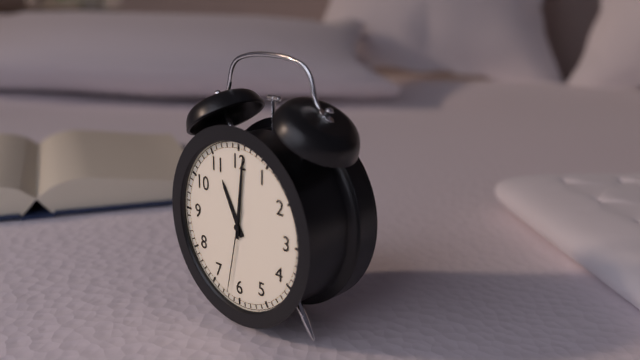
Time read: 11,01,32
